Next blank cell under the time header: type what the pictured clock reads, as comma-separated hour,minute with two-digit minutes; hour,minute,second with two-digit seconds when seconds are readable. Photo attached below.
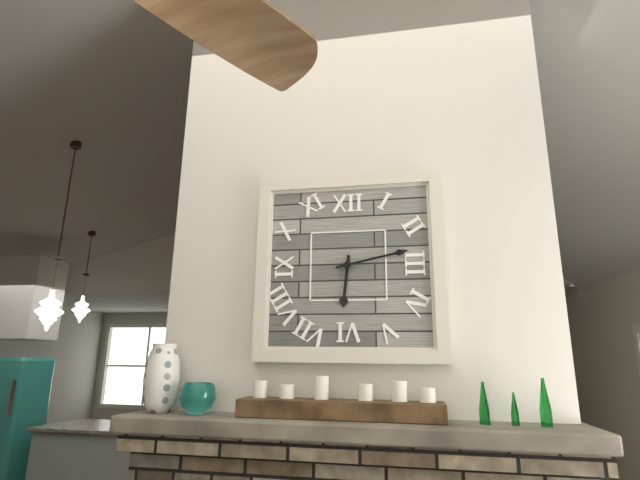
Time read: 6,13
